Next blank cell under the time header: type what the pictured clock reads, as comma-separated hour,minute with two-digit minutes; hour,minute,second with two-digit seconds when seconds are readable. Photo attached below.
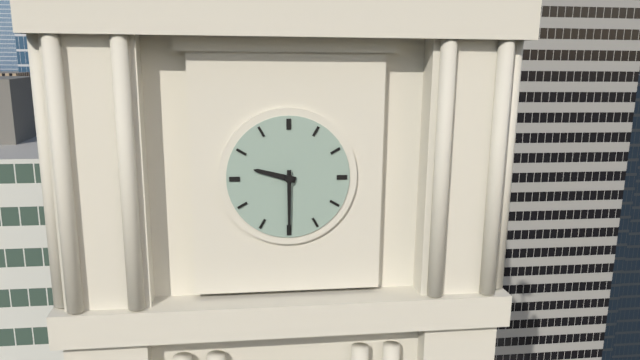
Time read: 9,30
